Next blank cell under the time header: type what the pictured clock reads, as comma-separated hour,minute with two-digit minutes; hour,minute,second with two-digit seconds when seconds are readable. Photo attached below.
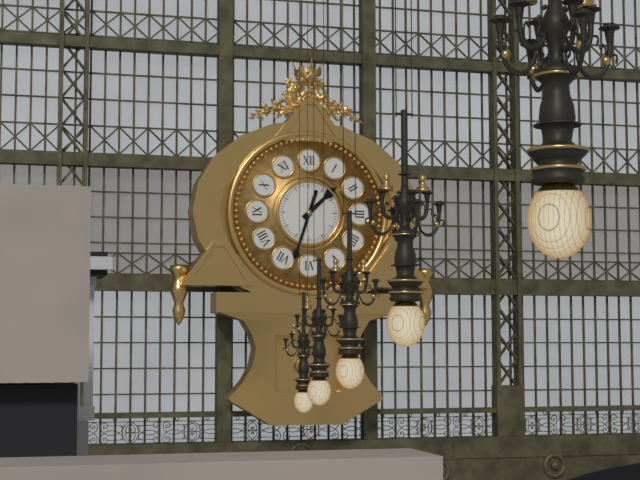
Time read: 1,33
